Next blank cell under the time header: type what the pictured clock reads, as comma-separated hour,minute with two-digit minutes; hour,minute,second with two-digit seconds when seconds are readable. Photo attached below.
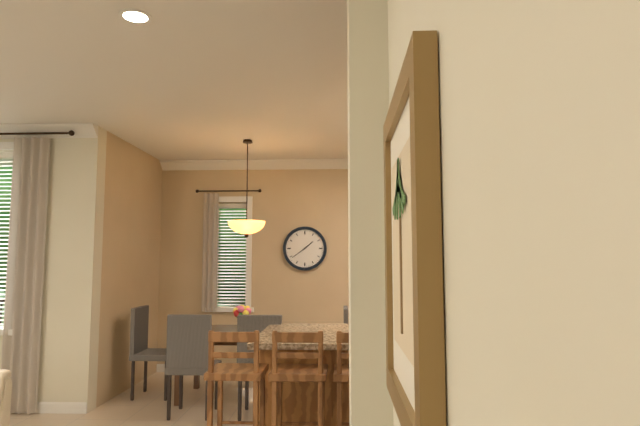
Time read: 1,39
